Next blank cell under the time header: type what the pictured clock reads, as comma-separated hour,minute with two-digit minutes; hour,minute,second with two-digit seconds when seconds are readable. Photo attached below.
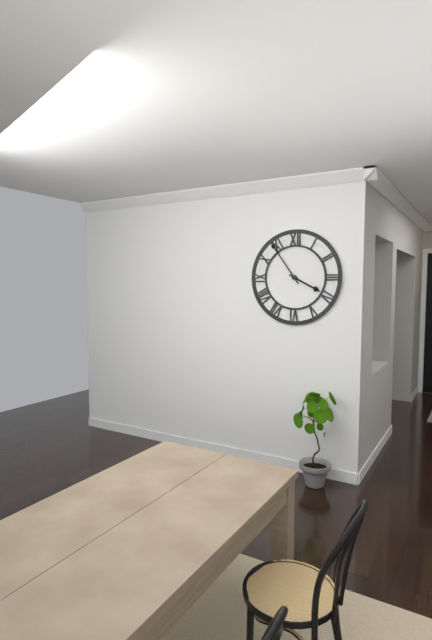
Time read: 3,54
